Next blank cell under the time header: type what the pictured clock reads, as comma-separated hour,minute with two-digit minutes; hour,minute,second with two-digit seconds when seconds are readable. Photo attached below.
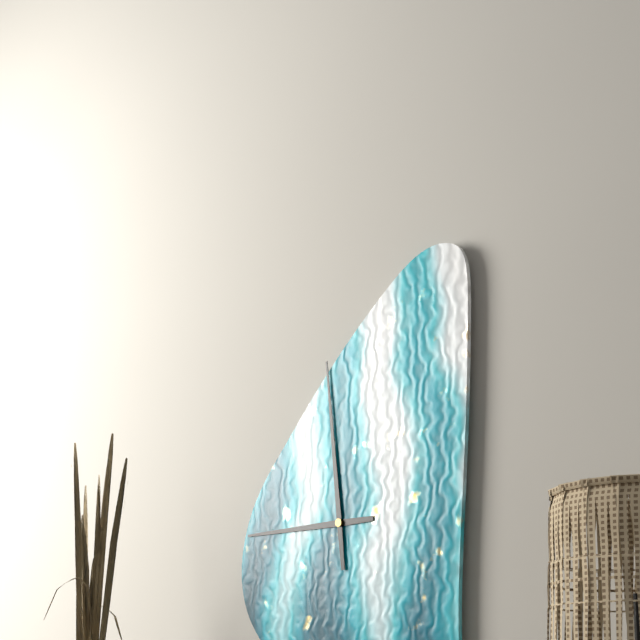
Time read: 8,59
